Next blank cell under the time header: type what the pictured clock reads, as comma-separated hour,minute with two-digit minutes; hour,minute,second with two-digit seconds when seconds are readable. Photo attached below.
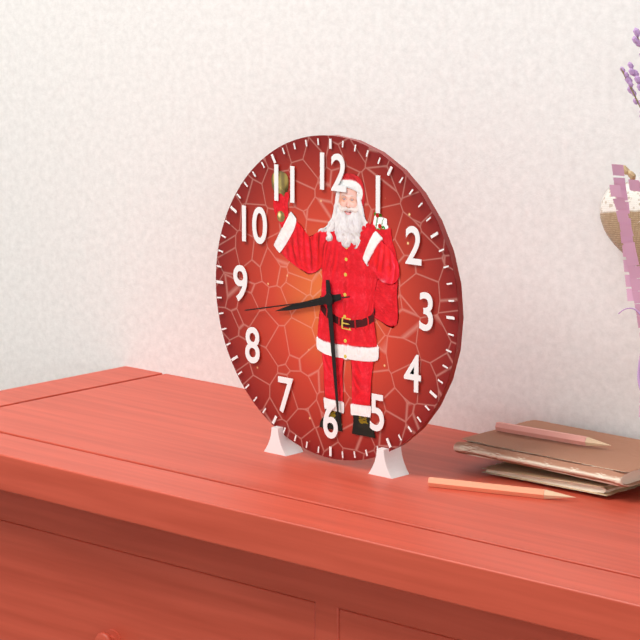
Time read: 8,29,43
